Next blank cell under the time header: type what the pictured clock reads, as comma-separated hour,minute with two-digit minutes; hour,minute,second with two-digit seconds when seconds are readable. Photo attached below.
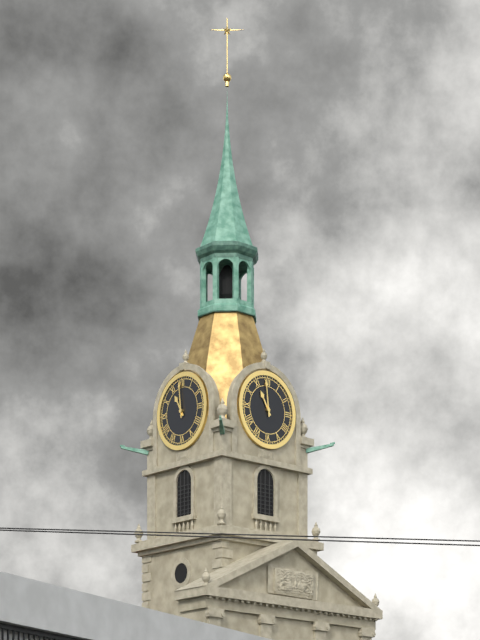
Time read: 10,59
